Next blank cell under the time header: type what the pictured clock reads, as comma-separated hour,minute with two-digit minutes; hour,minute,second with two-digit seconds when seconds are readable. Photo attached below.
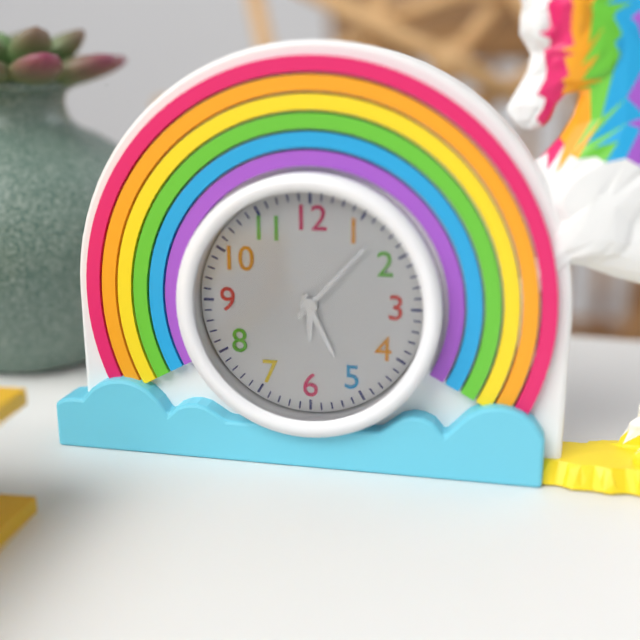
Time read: 5,07
